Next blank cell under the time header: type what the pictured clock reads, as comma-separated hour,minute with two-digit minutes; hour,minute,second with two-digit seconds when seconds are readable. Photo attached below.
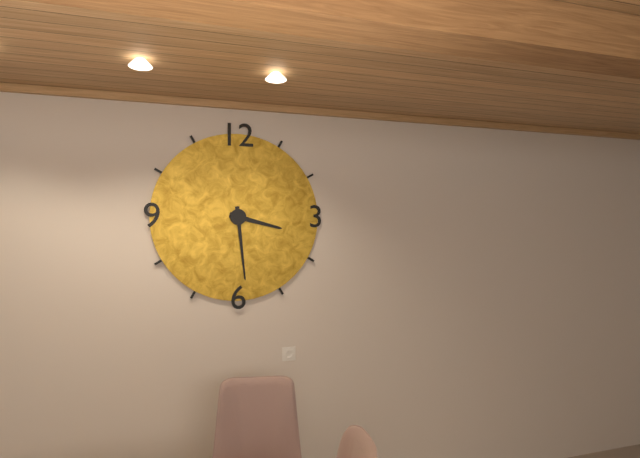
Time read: 3,29
